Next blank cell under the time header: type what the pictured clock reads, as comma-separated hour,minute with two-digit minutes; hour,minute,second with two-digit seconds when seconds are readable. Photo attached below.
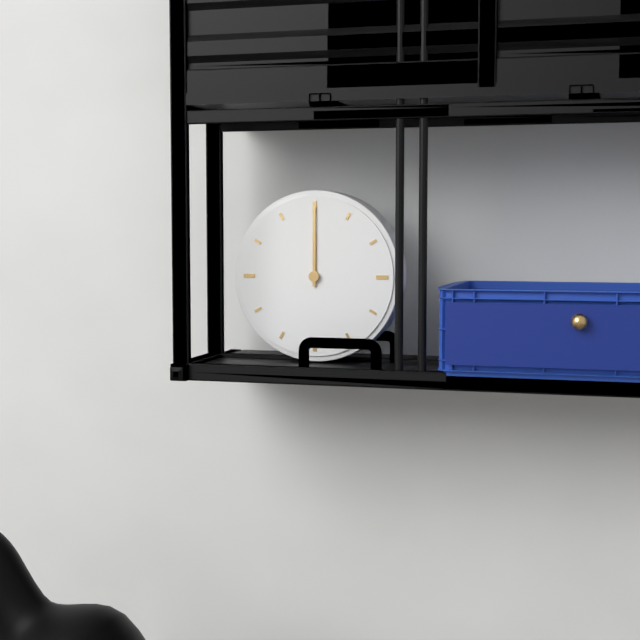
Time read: 12,00
